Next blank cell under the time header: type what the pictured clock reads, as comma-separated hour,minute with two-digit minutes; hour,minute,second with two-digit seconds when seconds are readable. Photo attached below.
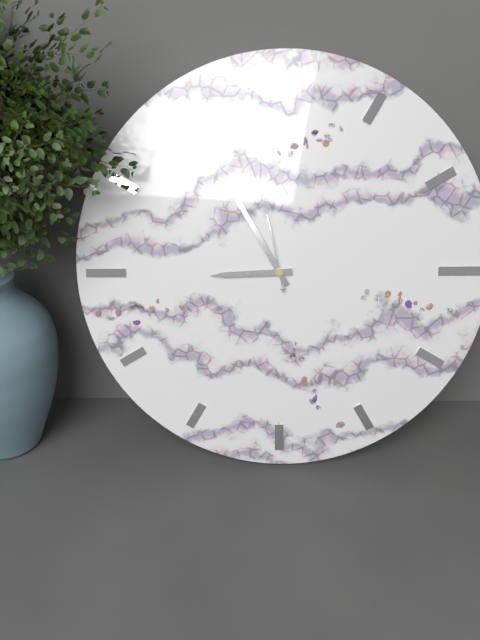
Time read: 8,55,58
